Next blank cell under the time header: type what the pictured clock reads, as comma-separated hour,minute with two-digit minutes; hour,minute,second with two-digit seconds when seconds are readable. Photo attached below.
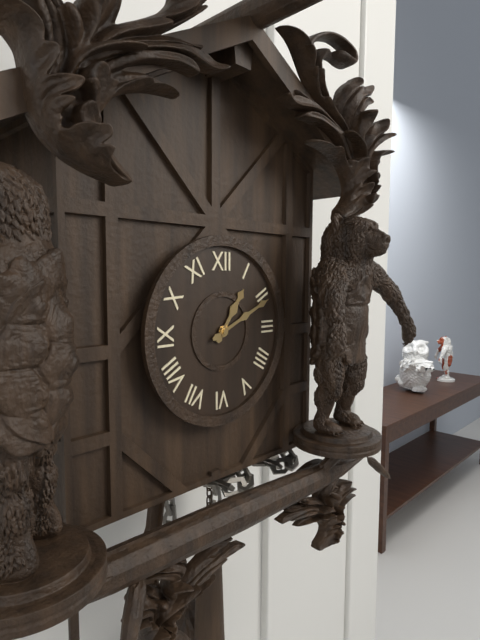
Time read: 1,11
